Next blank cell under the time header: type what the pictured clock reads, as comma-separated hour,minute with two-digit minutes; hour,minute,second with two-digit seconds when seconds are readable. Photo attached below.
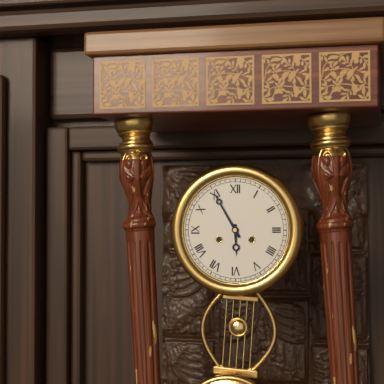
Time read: 5,55
